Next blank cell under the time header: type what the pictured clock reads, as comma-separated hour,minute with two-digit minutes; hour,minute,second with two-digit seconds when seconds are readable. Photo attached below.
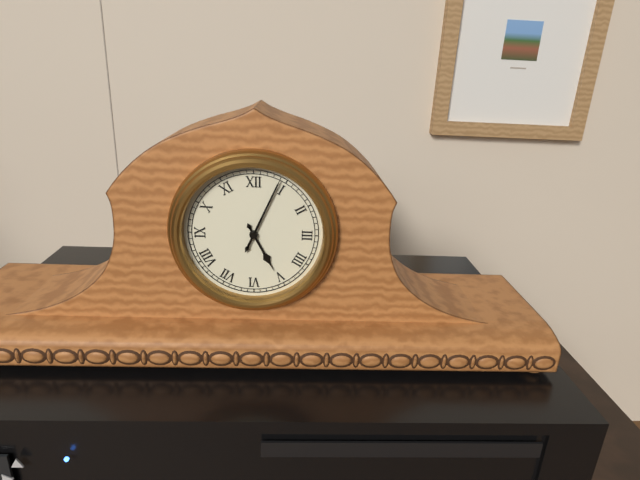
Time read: 5,04
